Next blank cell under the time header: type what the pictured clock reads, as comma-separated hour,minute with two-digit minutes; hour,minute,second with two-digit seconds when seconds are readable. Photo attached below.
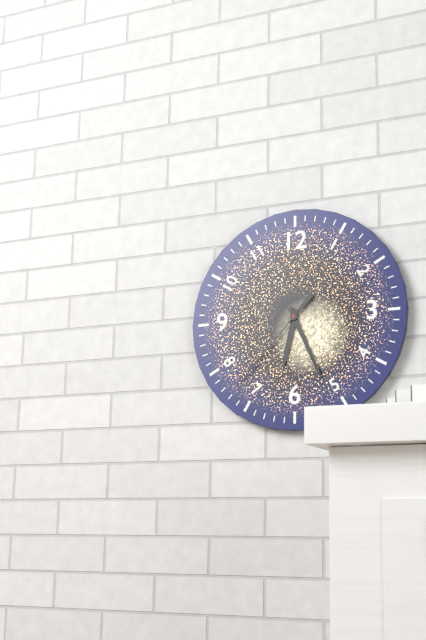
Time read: 6,26,37
